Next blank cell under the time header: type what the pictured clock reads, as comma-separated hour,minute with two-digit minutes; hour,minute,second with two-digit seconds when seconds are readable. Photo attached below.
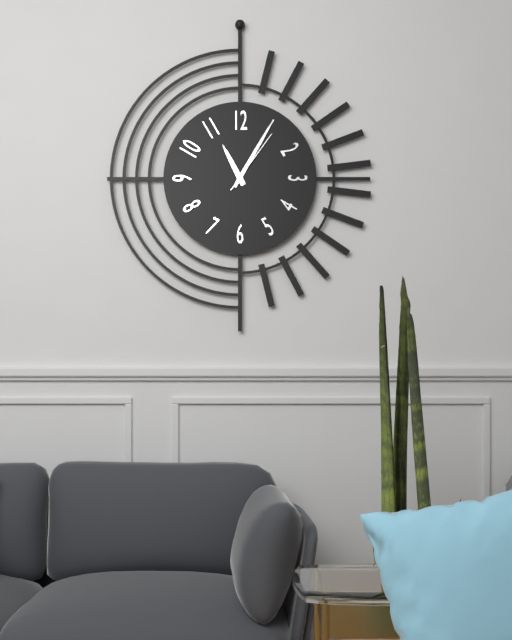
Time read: 11,05,06
